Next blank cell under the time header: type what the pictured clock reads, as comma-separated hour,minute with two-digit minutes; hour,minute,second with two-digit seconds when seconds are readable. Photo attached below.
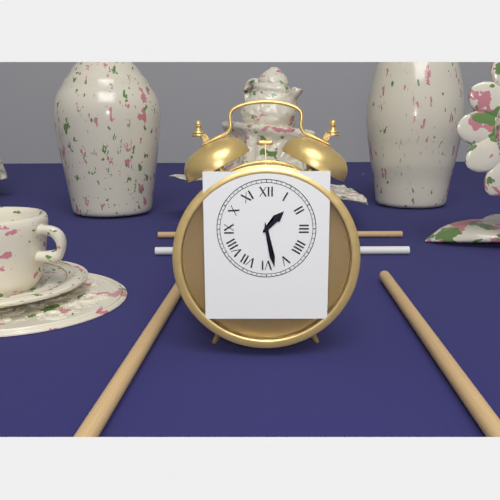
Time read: 1,28
